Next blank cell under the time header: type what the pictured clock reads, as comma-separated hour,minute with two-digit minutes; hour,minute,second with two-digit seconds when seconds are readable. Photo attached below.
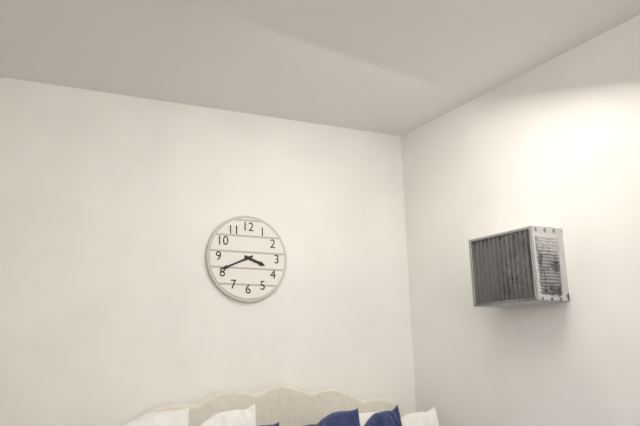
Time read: 3,41
